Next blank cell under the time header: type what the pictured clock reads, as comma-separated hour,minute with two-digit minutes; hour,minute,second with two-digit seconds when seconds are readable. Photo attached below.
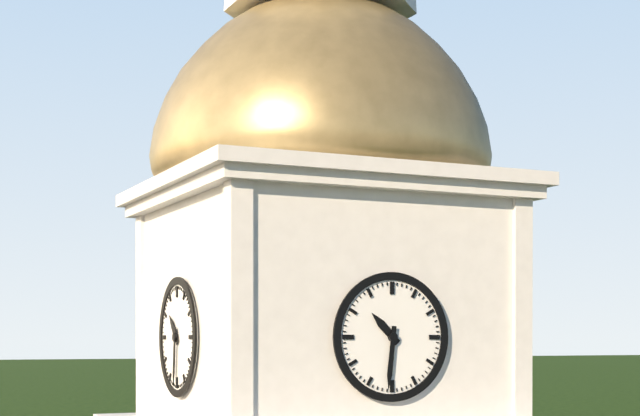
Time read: 10,31
